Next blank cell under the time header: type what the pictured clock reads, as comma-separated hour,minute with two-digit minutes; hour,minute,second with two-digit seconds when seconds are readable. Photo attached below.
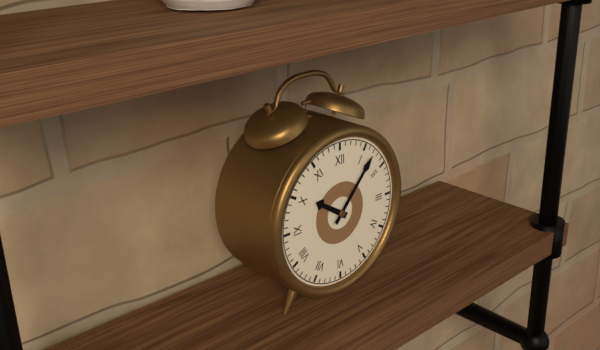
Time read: 10,07
